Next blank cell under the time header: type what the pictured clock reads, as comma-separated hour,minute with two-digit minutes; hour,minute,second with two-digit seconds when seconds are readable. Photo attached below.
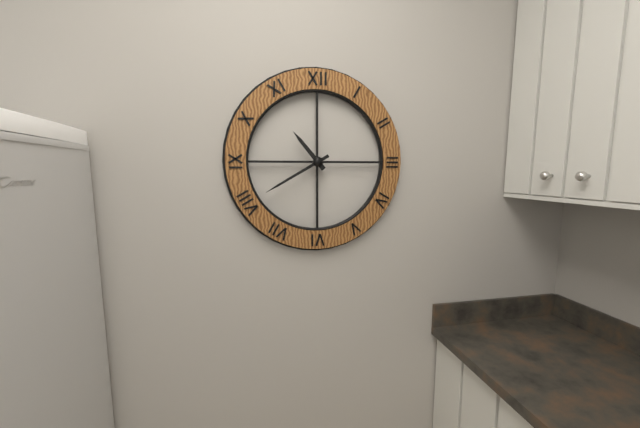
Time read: 10,40
